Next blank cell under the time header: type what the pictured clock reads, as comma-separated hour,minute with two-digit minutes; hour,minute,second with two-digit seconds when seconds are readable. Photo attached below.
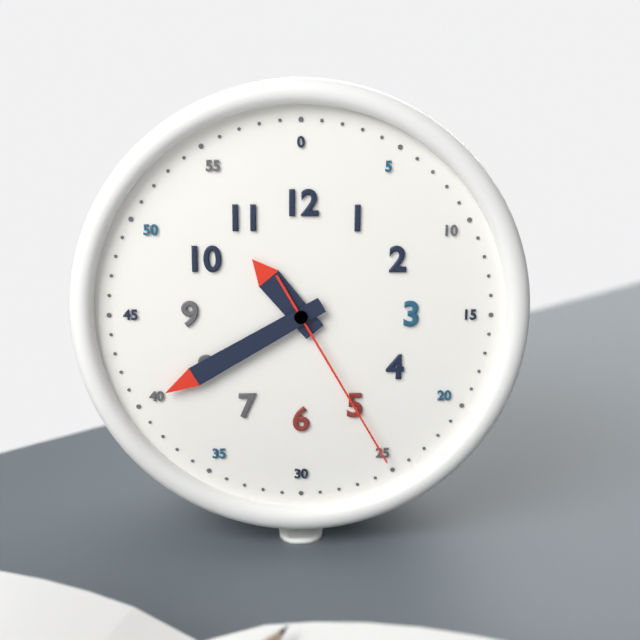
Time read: 10,40,25
